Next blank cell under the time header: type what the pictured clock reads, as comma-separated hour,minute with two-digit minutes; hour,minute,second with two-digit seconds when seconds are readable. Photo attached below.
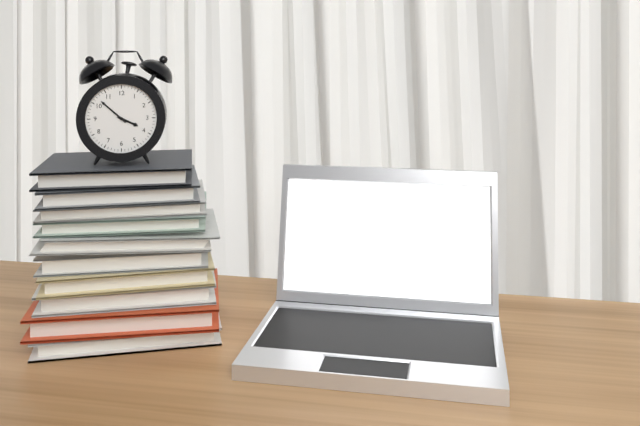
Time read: 3,52
